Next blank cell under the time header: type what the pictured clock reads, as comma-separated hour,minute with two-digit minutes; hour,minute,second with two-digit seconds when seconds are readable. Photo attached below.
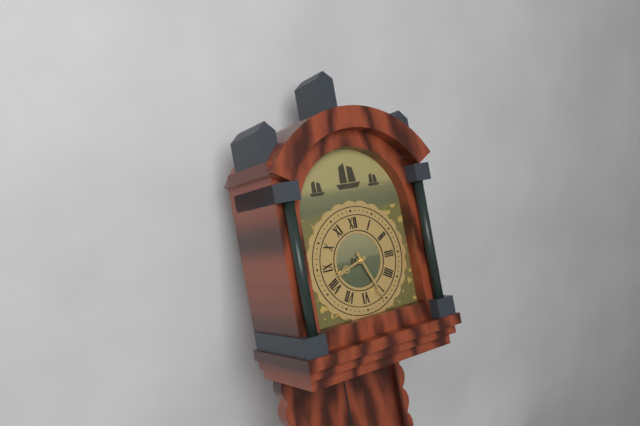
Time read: 8,26
